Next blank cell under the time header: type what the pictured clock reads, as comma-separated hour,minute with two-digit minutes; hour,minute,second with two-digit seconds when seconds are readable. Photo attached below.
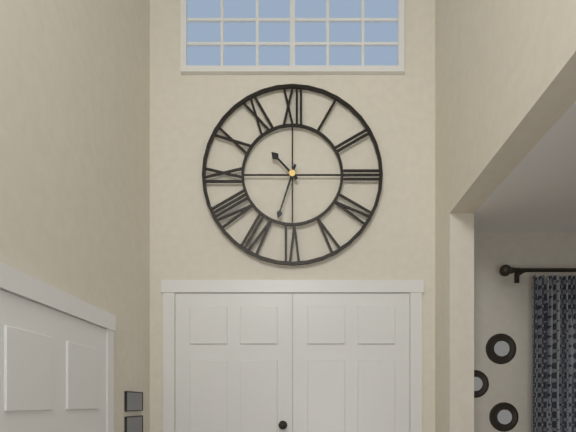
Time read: 10,33
